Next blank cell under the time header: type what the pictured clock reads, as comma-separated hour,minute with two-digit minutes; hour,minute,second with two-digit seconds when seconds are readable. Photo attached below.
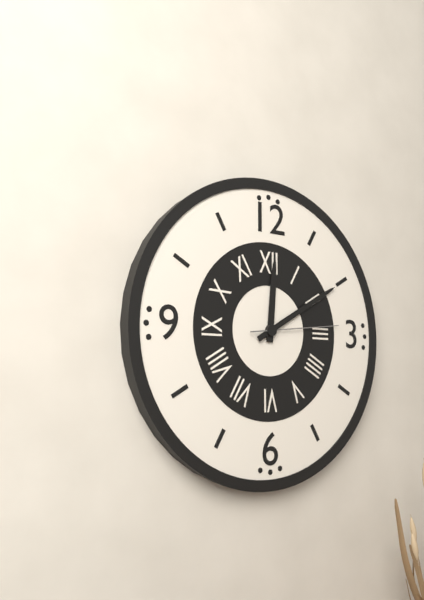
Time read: 12,10,14
